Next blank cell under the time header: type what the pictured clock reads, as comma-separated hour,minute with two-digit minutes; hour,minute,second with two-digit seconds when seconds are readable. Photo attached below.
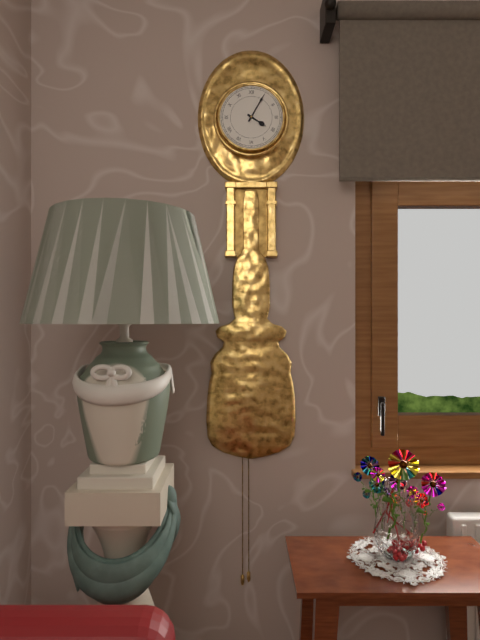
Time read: 4,05
